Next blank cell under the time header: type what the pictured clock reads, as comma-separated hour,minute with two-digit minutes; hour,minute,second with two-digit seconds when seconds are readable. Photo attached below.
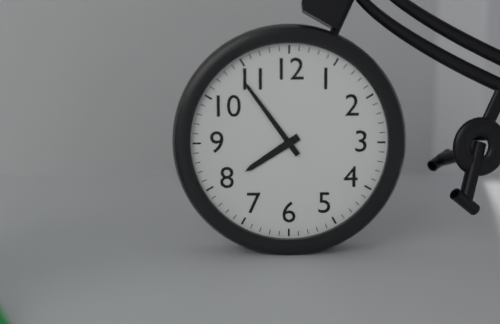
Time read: 7,54
